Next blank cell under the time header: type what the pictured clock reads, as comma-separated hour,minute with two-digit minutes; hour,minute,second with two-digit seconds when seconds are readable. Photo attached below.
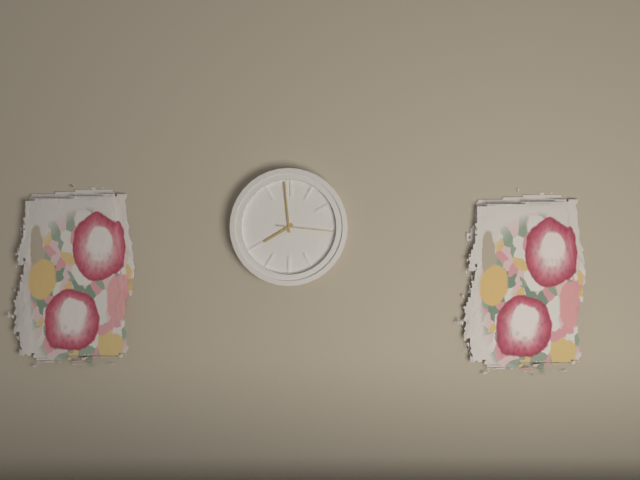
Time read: 7,59,16
